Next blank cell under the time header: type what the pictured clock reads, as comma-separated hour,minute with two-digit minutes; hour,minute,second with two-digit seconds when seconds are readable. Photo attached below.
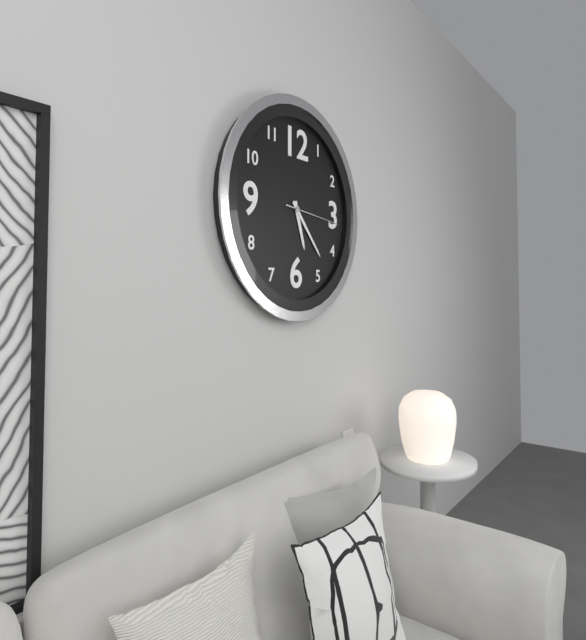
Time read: 5,23,16
